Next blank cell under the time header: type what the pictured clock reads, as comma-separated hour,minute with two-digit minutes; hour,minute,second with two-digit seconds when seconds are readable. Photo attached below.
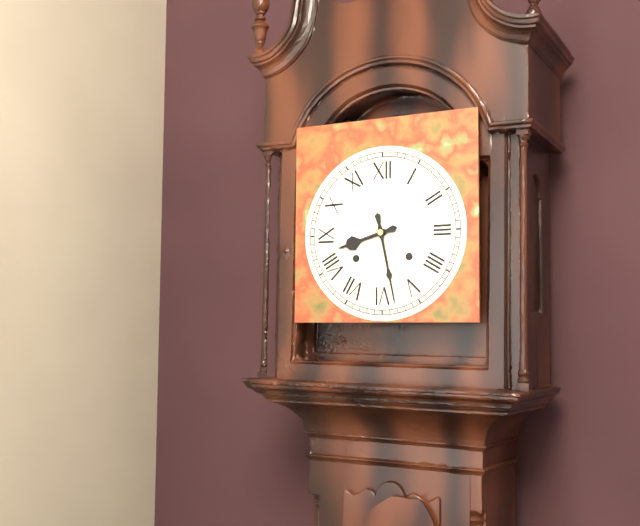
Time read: 8,28
